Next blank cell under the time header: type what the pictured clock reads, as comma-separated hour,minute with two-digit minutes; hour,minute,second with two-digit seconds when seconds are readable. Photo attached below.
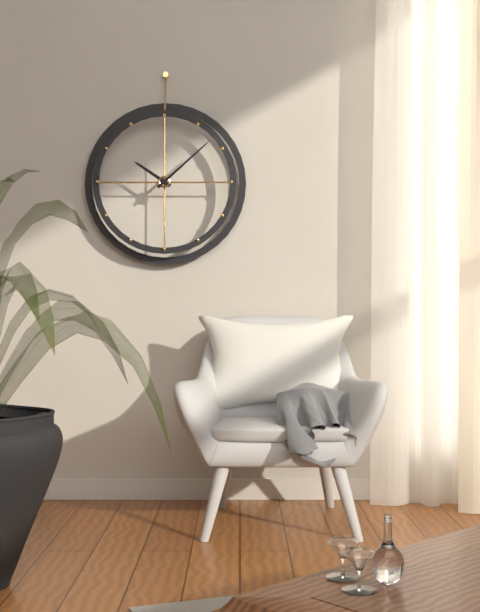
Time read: 10,08
